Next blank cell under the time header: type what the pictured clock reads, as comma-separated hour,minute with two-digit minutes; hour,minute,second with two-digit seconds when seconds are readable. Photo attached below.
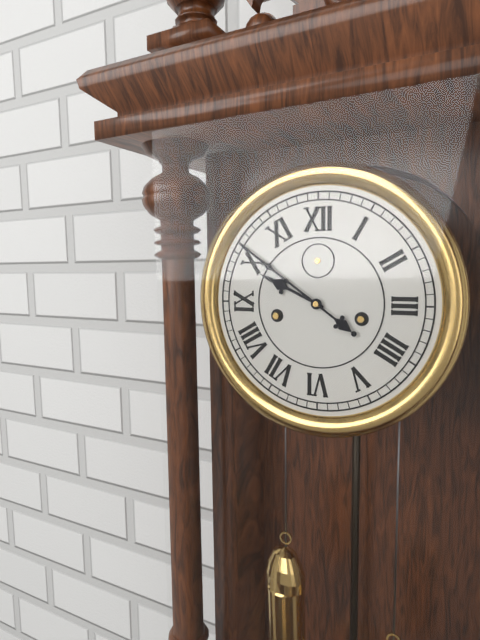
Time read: 9,51
